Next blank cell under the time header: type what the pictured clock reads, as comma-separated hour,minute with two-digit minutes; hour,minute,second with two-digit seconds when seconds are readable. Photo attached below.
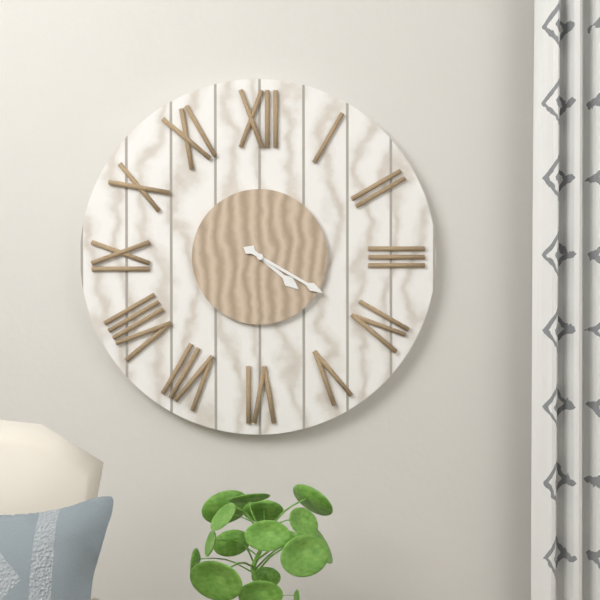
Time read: 4,20
